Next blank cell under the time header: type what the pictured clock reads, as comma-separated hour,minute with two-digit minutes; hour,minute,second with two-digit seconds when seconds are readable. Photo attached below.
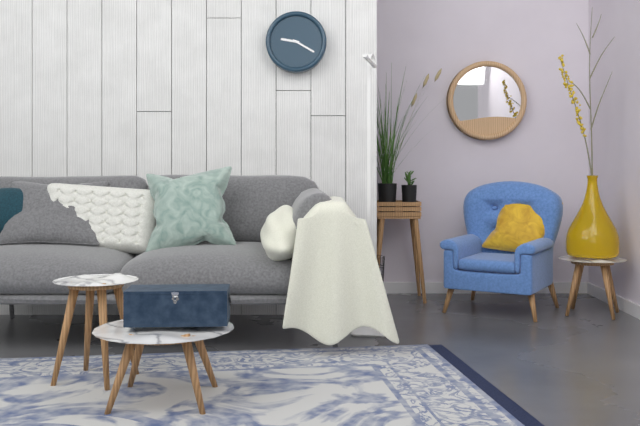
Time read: 9,20
